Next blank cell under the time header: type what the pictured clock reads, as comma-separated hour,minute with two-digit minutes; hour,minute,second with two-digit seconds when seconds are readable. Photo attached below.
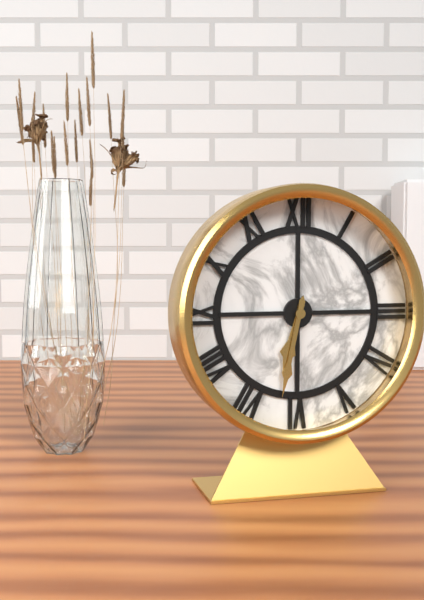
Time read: 6,32
